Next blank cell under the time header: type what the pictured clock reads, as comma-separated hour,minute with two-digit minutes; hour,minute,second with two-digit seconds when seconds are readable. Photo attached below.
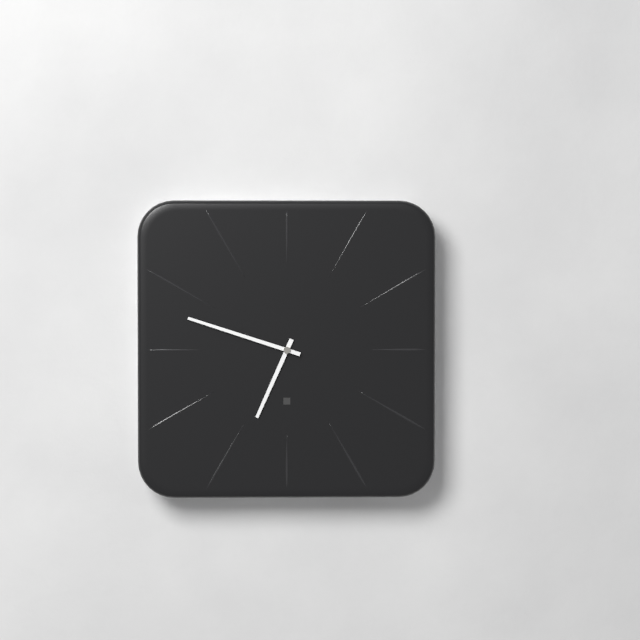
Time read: 6,48
